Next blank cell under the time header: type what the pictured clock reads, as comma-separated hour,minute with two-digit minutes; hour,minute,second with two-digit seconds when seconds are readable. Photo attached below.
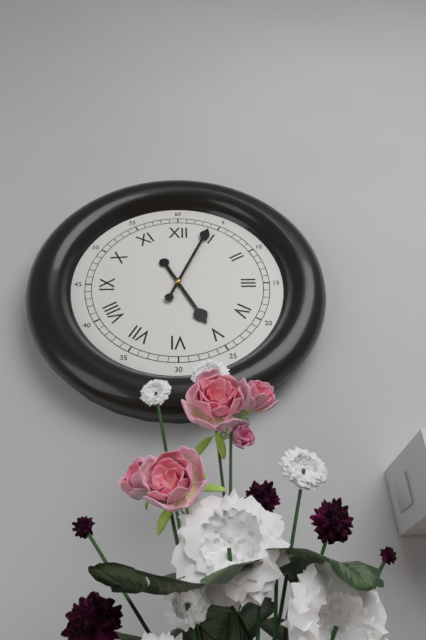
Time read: 5,04
